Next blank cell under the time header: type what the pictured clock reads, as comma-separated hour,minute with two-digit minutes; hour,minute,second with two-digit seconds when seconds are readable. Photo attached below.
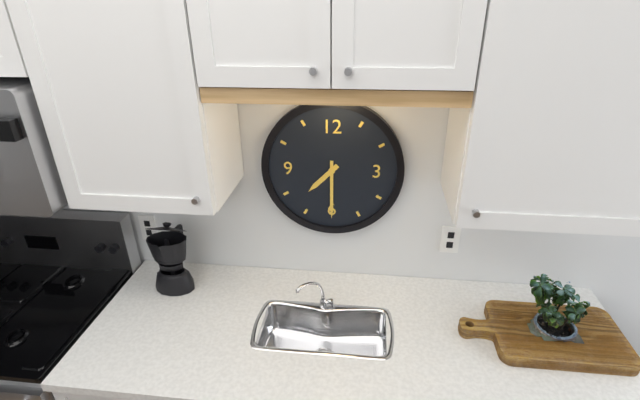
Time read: 7,30
